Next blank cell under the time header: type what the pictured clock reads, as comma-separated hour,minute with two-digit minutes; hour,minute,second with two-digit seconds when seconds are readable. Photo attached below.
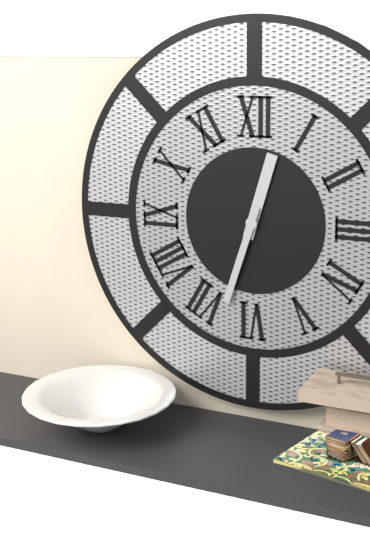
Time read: 12,33
